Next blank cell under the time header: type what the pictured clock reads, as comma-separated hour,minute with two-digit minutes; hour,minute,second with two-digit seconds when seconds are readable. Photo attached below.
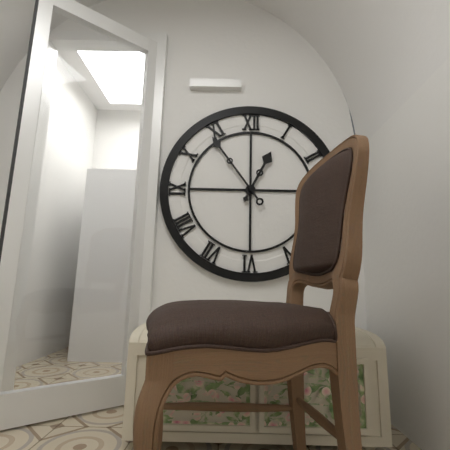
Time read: 12,54
